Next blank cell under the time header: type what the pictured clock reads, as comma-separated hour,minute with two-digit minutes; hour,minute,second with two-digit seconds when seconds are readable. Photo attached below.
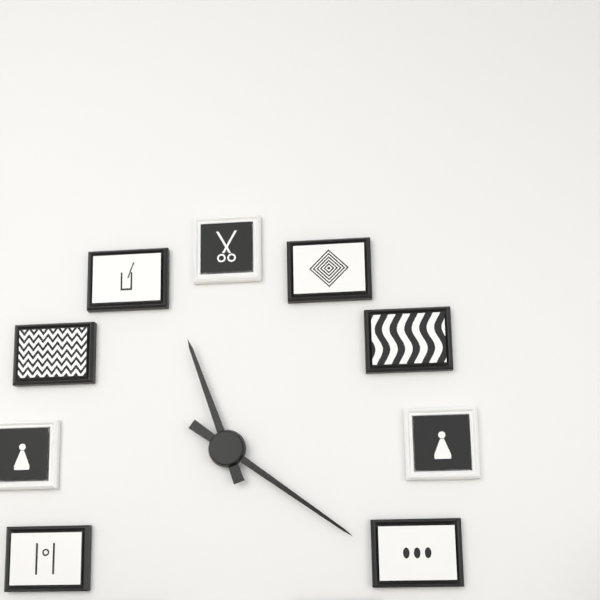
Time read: 11,21
